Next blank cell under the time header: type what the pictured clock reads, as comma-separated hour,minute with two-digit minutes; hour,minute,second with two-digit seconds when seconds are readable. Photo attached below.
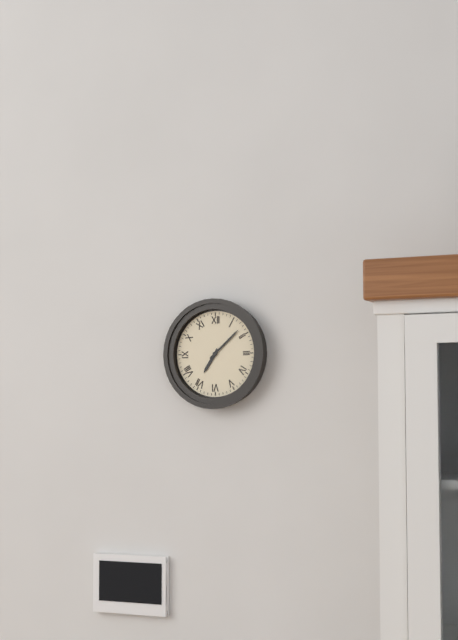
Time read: 7,08
